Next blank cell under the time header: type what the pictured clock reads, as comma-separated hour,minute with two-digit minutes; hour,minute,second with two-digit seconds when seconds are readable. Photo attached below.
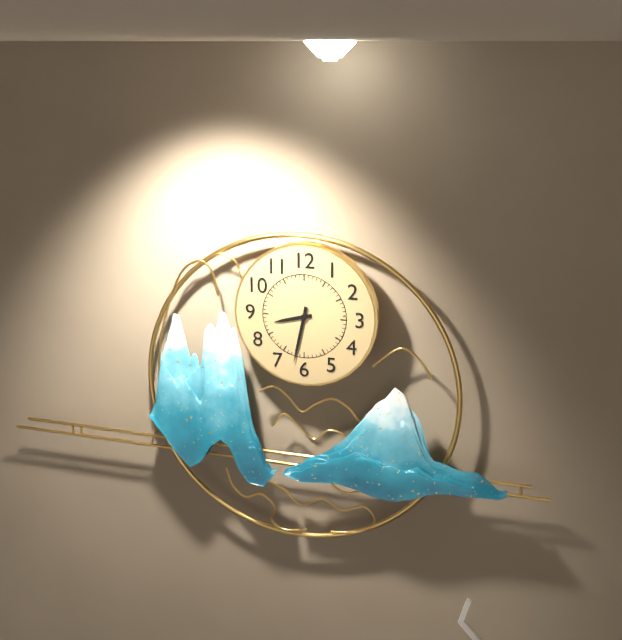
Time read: 8,32
